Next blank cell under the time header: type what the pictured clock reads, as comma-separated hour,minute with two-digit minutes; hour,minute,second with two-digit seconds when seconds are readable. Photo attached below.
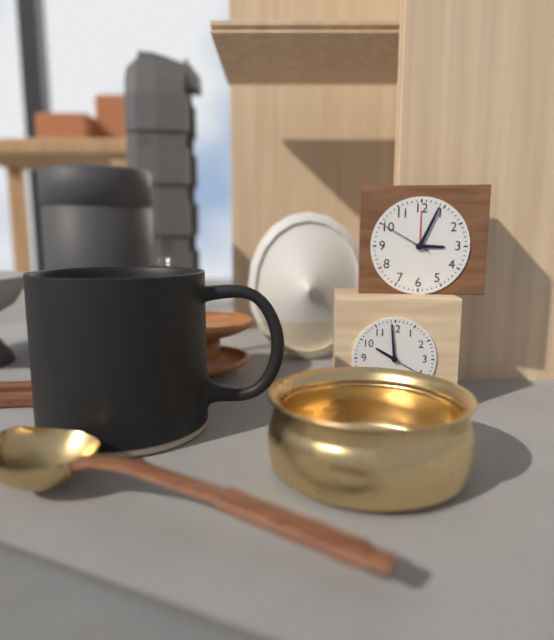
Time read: 3,04,50
